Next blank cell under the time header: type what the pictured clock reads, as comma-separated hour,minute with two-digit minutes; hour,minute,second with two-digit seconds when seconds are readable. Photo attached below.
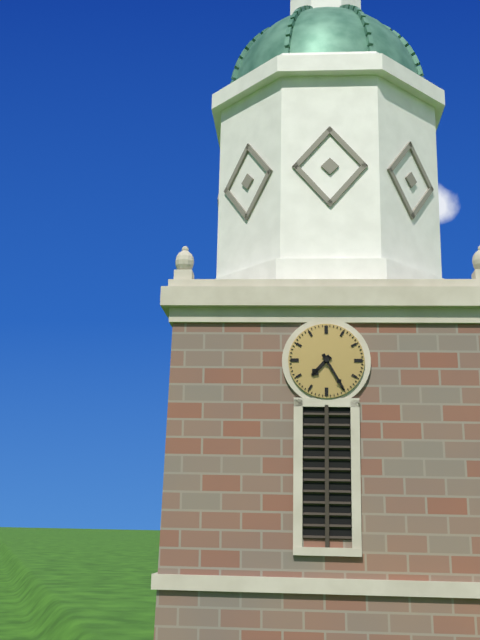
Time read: 7,25
